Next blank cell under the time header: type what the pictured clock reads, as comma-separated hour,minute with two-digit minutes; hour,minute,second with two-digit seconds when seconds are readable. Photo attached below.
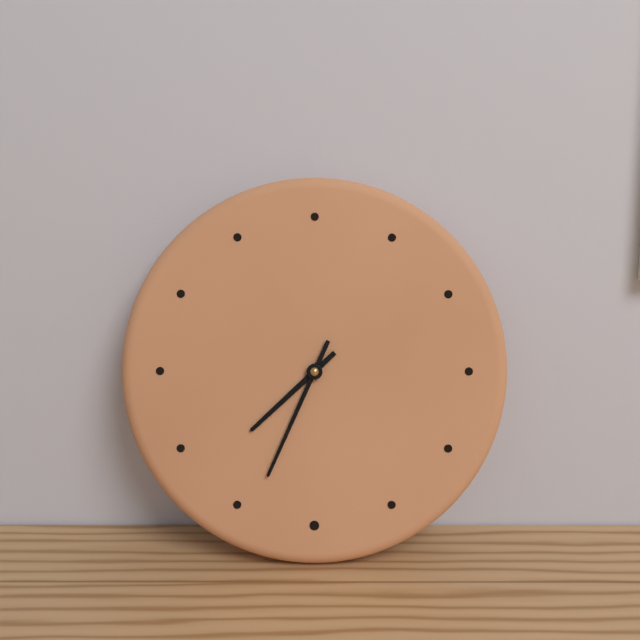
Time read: 7,34
